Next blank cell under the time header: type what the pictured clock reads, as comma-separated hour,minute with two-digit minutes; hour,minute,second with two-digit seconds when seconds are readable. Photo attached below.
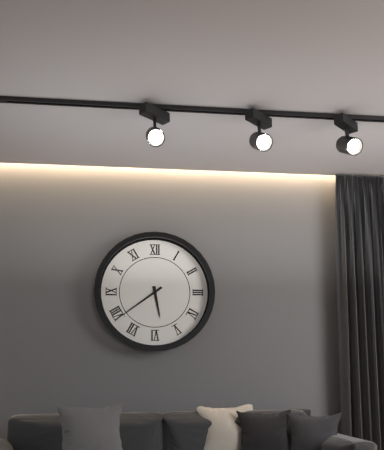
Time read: 5,39
